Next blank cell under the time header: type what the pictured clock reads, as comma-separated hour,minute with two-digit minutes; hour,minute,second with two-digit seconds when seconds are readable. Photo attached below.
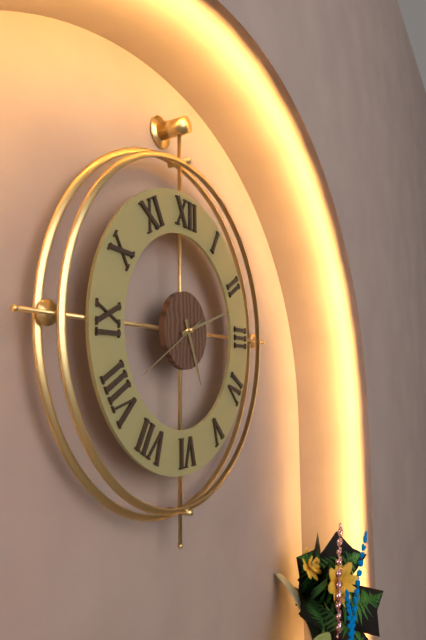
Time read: 5,12,40
